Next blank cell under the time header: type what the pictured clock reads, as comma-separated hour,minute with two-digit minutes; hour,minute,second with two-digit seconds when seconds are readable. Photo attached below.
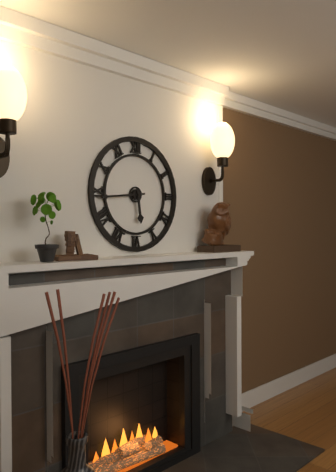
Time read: 5,44
